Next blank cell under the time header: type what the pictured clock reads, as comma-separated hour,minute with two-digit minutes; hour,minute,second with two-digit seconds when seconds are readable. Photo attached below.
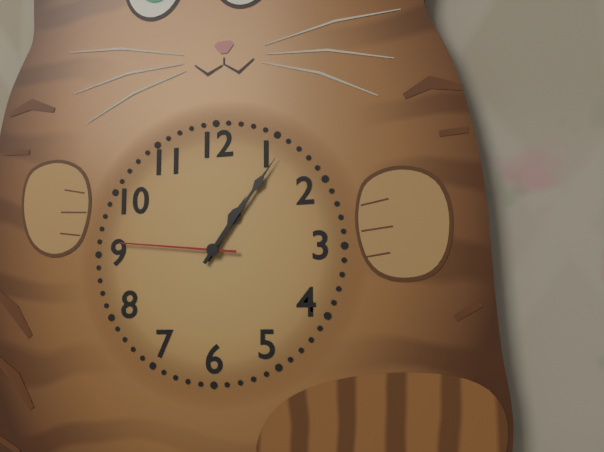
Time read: 1,06,46
